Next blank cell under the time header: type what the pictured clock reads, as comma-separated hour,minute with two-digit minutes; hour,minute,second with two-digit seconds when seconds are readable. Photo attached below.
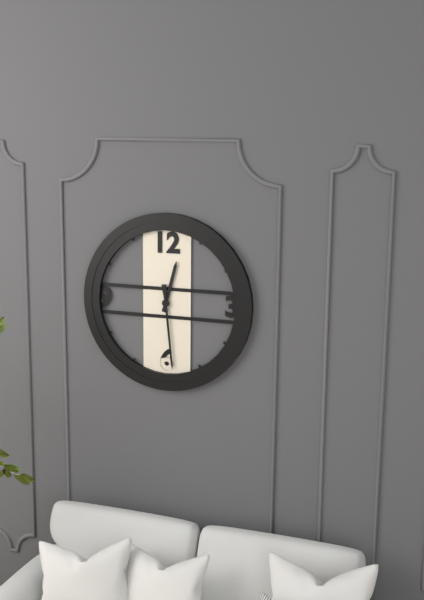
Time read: 12,29
